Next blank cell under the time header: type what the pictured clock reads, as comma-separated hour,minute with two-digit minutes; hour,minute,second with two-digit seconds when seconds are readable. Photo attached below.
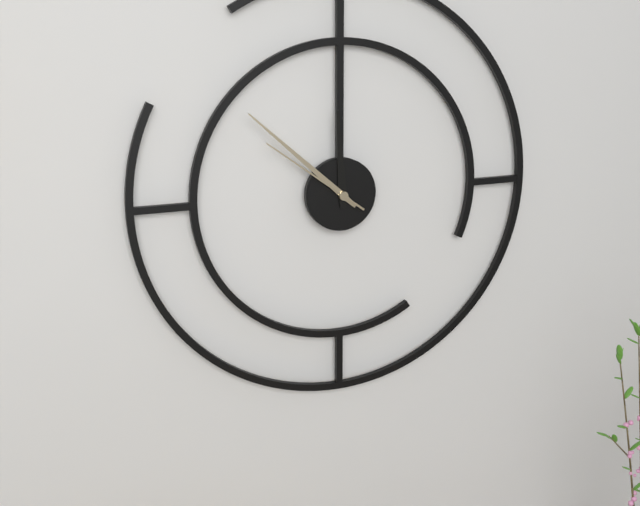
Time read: 11,52,51
